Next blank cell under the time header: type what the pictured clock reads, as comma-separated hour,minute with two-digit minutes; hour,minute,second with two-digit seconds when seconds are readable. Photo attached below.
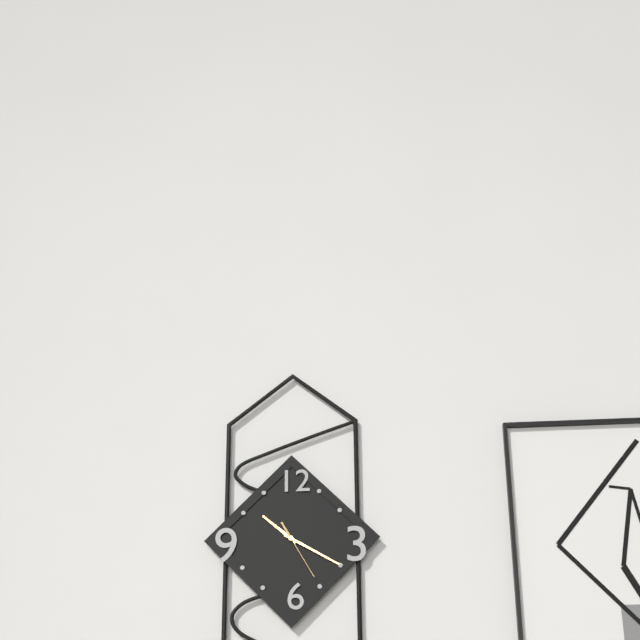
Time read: 10,20,25
